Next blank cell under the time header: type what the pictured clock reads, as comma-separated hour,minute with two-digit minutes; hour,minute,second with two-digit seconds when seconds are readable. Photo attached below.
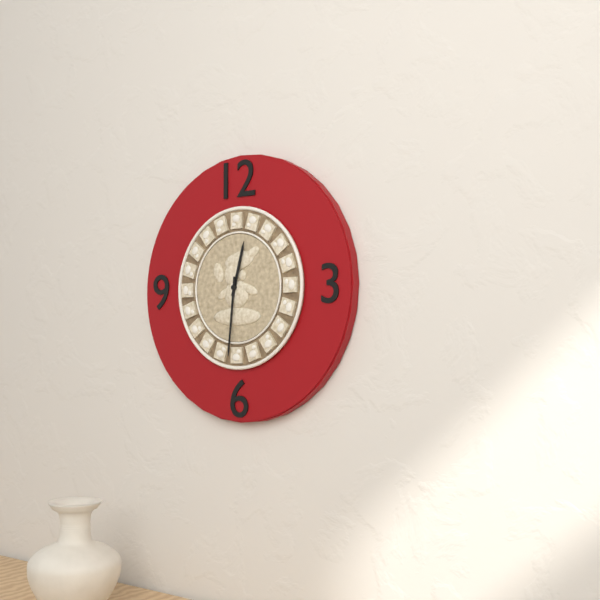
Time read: 12,31
